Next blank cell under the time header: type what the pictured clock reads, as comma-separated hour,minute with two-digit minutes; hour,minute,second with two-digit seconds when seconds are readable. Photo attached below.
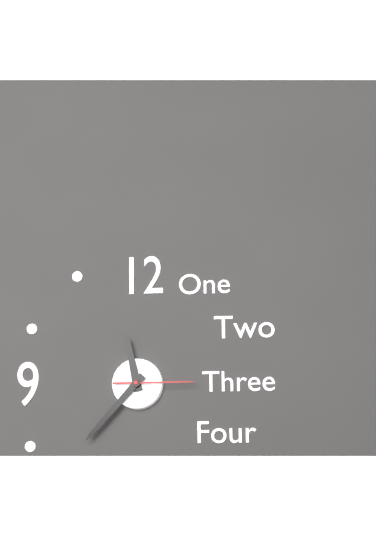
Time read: 11,37,15
